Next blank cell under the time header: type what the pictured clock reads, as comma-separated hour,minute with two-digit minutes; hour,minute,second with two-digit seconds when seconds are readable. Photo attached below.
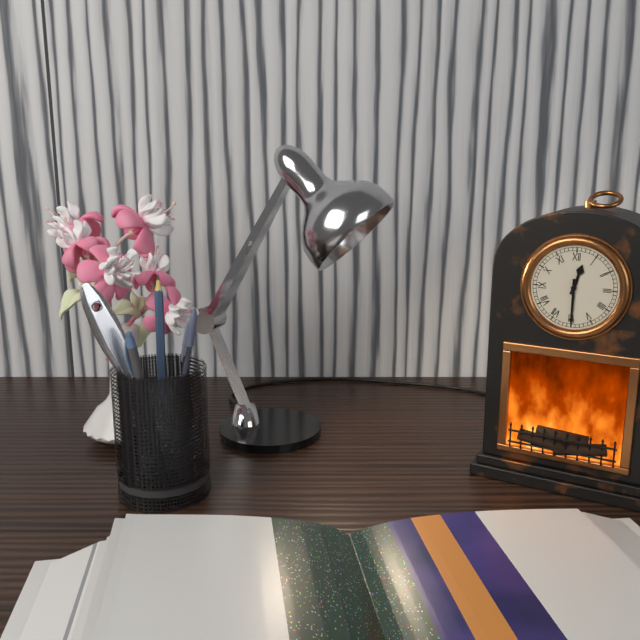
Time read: 12,30
